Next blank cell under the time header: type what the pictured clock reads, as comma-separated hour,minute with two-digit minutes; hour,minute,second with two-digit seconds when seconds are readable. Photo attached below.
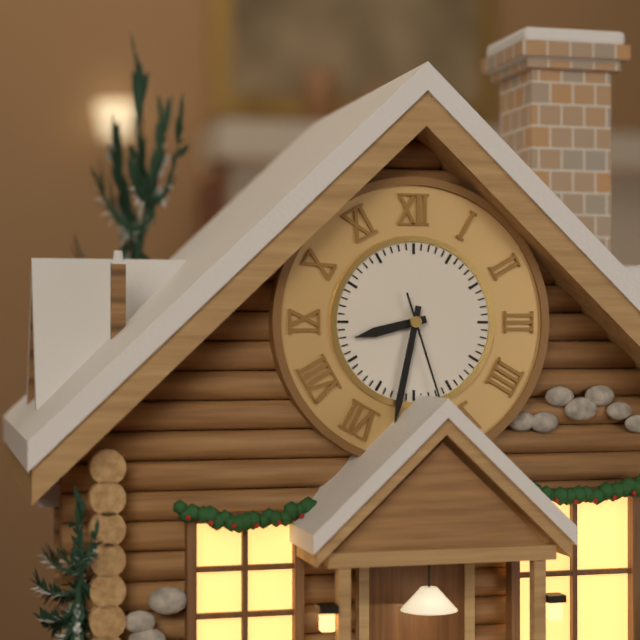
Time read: 8,32,27
